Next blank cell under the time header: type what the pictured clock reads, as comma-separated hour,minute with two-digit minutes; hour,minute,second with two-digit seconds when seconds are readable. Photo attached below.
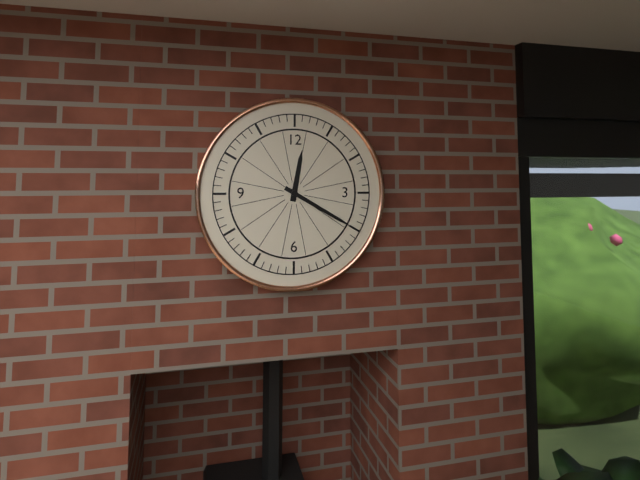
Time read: 12,20
